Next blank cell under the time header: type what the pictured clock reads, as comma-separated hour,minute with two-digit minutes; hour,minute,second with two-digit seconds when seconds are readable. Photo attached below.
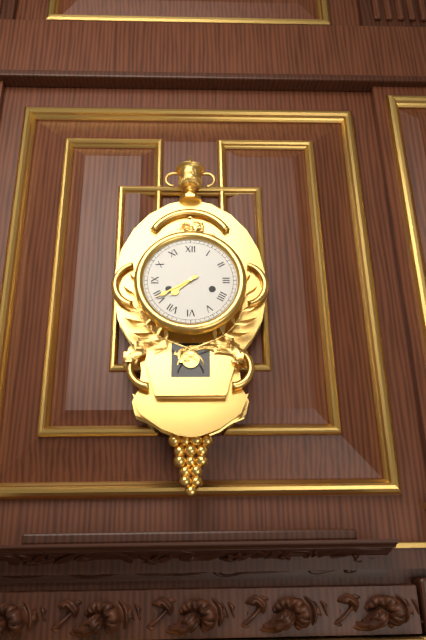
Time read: 7,40
